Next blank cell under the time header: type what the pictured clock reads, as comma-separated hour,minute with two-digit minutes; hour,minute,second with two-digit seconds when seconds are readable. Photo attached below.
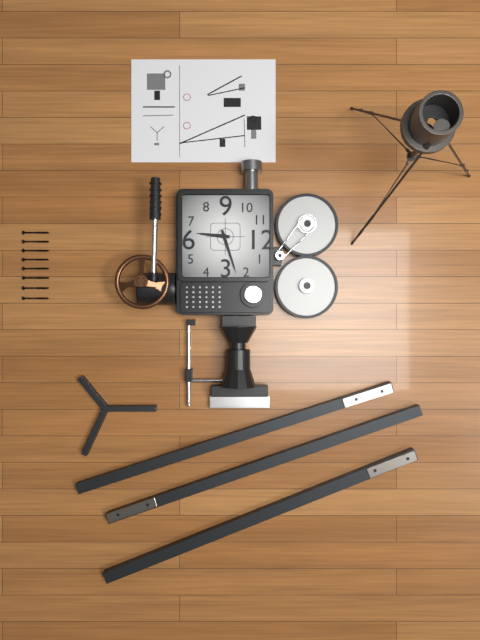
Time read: 6,12
